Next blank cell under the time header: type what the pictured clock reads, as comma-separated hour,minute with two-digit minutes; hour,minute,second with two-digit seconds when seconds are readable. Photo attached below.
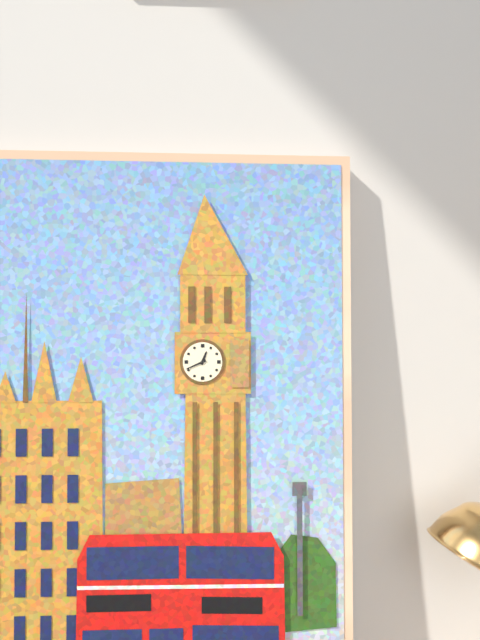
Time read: 12,41
